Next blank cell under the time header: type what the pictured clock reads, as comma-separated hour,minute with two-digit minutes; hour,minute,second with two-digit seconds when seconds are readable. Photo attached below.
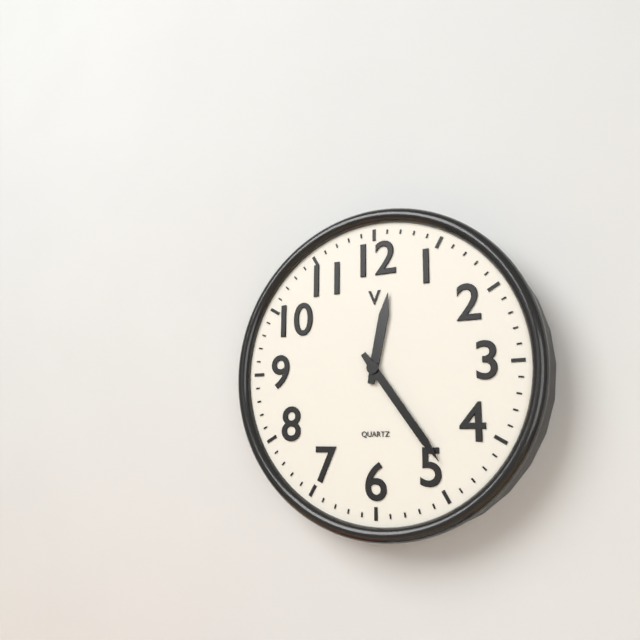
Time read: 12,24
